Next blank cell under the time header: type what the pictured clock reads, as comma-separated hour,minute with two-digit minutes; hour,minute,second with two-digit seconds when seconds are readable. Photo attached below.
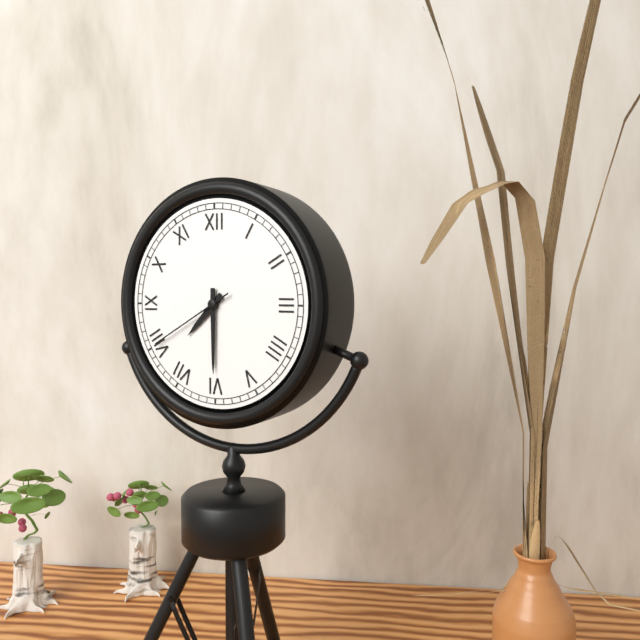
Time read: 7,30,40
